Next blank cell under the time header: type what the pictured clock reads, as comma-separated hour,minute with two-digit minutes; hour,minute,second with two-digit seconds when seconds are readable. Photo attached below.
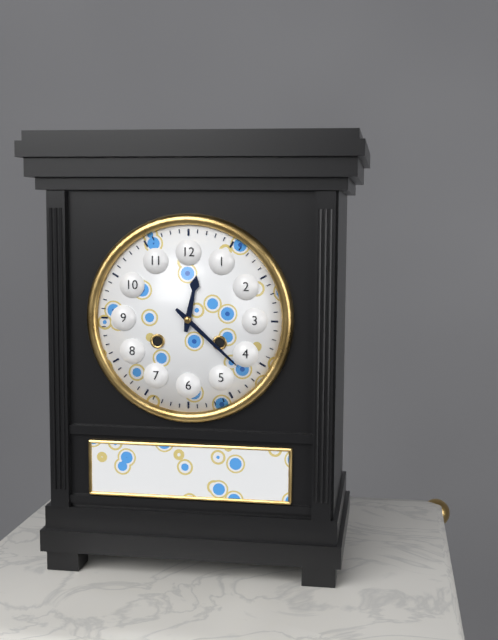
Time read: 12,22
